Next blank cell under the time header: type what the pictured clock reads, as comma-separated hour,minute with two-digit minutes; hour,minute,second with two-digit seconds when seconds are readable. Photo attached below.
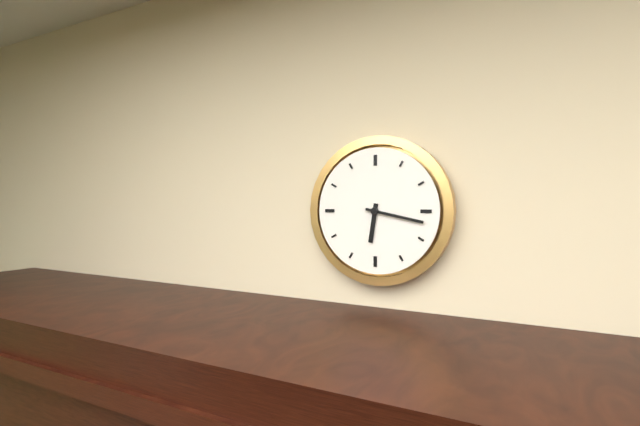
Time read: 6,17
